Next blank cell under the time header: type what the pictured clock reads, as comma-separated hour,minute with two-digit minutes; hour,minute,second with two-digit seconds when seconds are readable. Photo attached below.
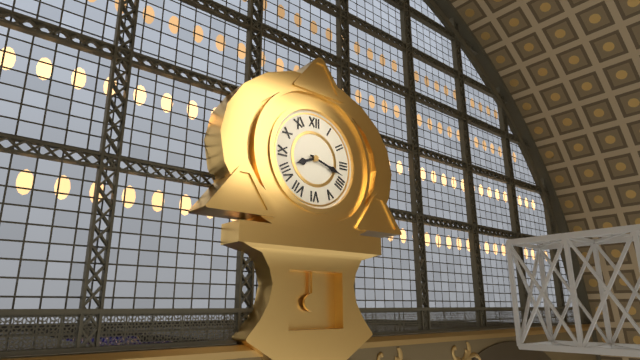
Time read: 8,18
